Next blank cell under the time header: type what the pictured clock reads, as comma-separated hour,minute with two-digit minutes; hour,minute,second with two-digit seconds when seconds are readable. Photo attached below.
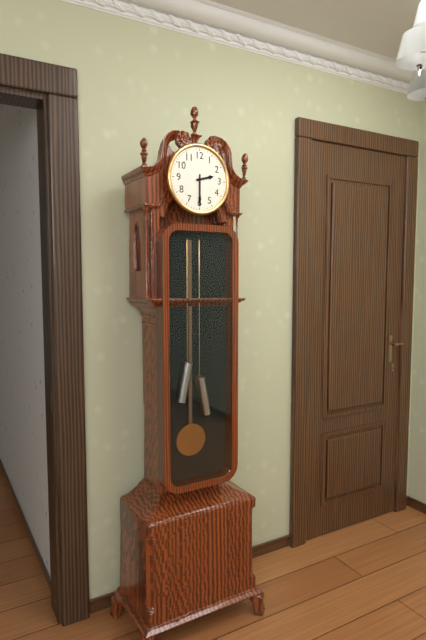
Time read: 2,30
